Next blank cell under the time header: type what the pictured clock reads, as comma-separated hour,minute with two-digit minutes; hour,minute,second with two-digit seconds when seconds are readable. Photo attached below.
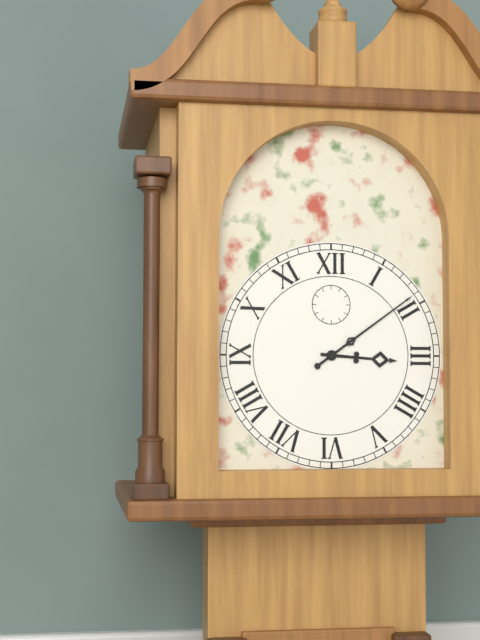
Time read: 3,09
